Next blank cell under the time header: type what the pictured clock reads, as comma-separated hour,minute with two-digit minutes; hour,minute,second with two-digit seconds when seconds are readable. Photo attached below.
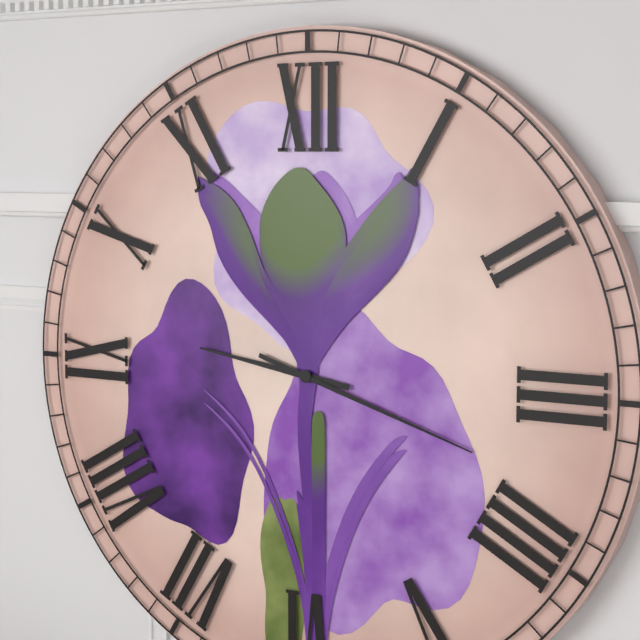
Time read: 9,18
